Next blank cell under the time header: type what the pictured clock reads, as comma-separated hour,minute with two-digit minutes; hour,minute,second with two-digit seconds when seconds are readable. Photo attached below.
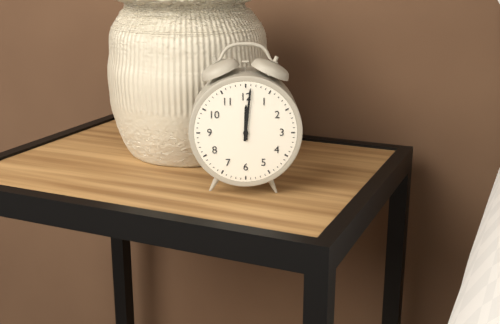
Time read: 12,01
